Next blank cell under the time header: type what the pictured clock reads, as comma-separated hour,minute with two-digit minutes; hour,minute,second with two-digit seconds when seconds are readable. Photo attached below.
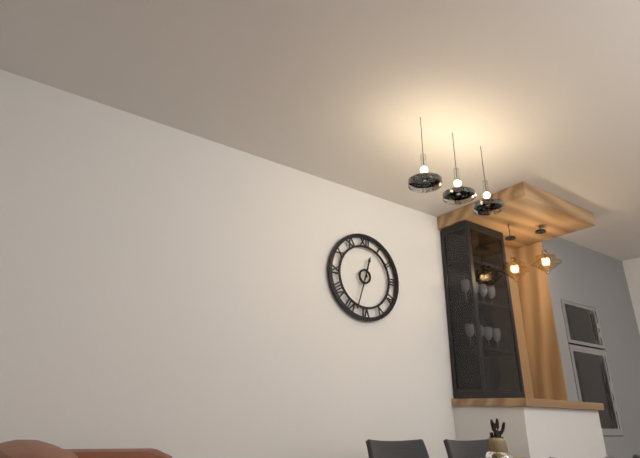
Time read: 12,33
